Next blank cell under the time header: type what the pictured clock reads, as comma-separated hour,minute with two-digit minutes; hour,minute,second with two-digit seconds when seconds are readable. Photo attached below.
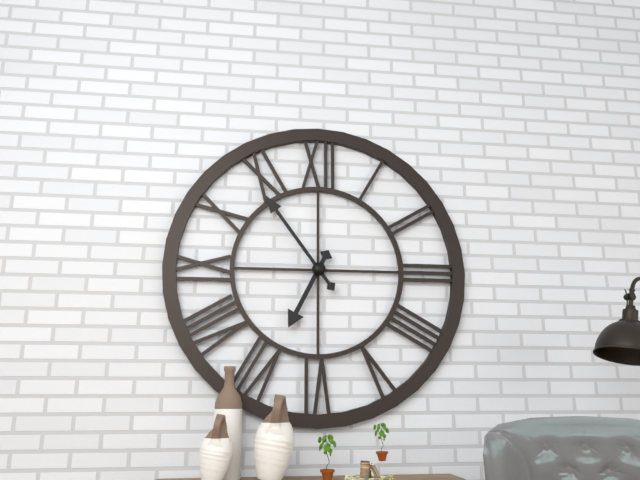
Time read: 6,54
